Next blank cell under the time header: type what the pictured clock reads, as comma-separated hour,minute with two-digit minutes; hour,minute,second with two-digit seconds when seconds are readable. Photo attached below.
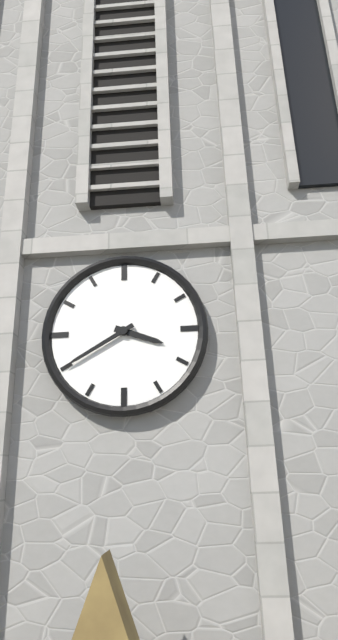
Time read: 3,40
